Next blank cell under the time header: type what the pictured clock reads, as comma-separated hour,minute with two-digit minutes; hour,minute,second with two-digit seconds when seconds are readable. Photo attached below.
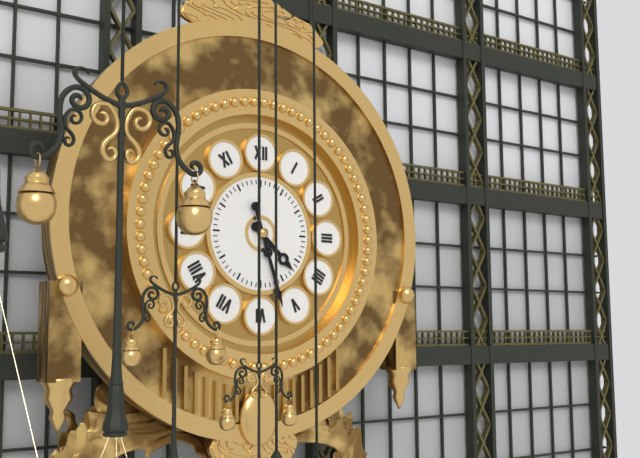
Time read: 4,27
